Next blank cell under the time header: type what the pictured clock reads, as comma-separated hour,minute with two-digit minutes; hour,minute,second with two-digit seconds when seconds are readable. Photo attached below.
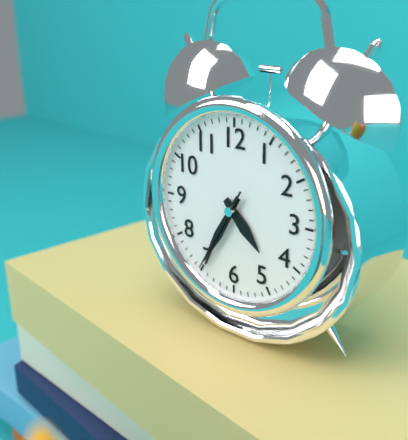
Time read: 4,35,35
